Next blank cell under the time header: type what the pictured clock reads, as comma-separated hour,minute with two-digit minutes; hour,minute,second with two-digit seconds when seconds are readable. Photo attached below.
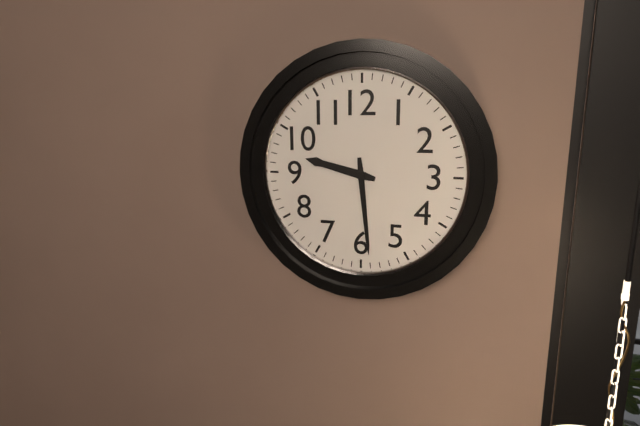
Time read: 9,29
